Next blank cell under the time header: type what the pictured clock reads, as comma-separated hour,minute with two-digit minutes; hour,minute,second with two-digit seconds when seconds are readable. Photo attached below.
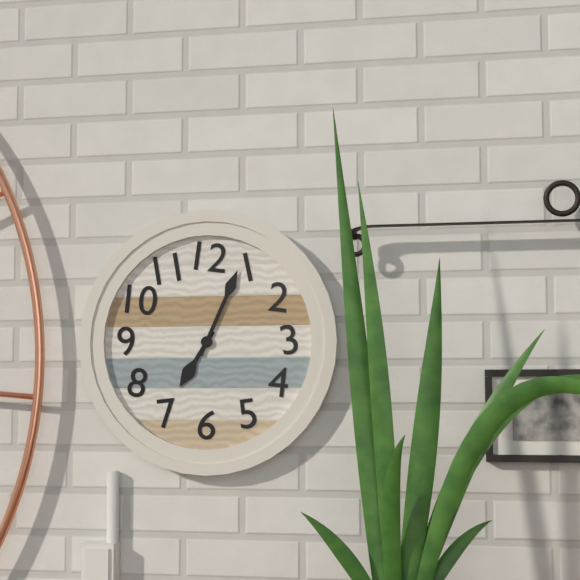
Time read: 7,04
